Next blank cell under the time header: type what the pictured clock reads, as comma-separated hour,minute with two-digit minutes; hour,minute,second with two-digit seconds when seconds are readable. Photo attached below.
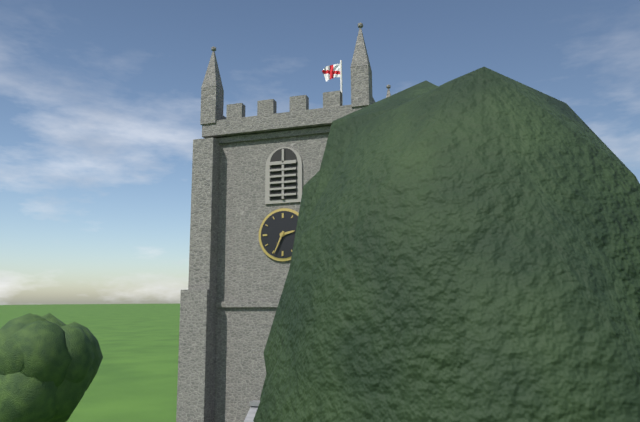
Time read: 2,34
